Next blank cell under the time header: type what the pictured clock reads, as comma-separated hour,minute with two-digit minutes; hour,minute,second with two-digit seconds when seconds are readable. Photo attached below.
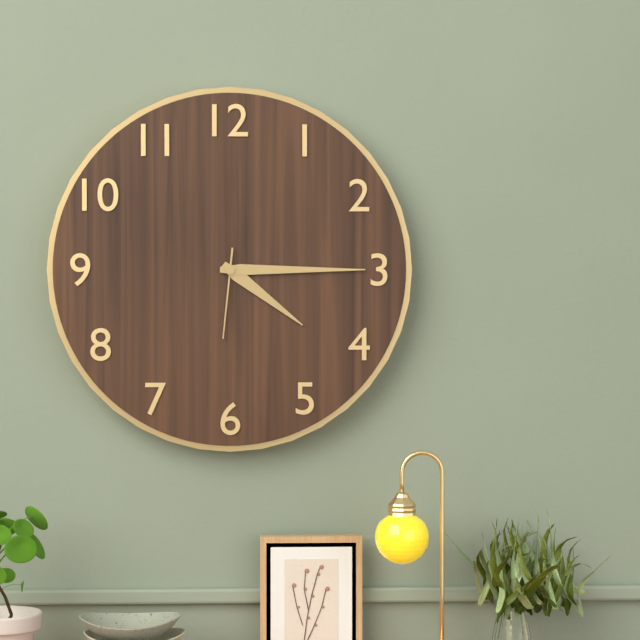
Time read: 4,15,31
